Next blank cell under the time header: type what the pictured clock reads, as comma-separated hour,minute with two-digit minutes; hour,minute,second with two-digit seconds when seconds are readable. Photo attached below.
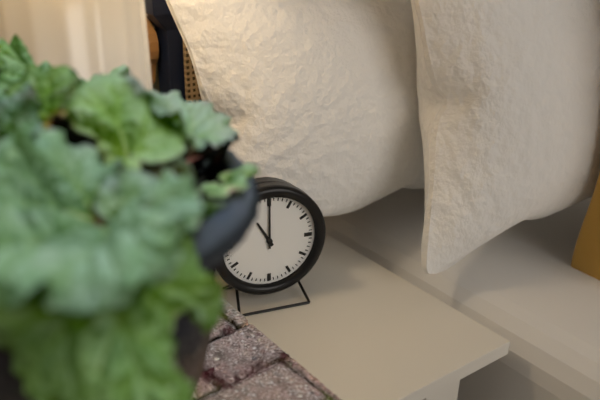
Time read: 11,00
